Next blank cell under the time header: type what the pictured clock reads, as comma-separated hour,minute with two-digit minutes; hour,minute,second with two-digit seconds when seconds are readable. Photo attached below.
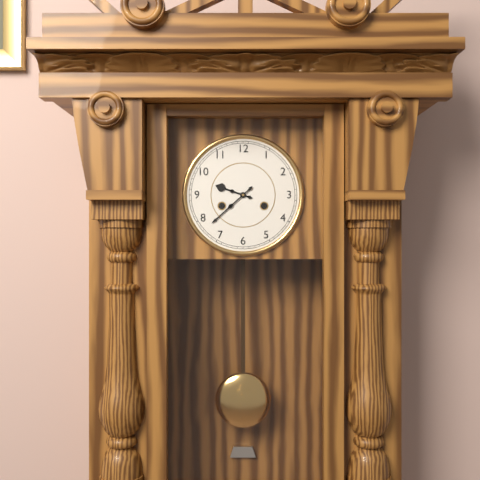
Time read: 9,38
